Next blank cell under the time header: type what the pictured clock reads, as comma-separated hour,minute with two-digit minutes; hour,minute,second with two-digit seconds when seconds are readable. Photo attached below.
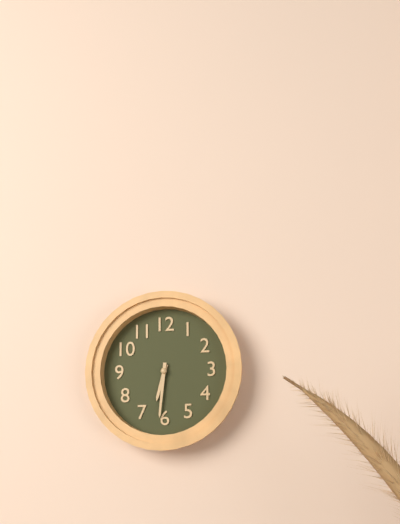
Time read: 6,31
